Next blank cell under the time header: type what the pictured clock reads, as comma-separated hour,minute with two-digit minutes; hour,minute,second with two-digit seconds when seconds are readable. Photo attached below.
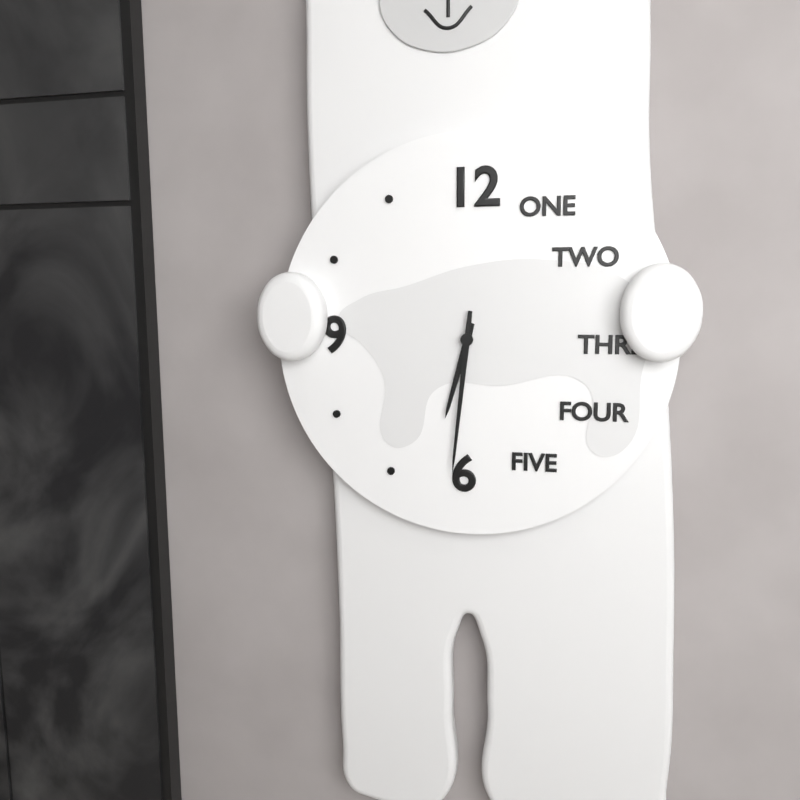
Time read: 6,31
